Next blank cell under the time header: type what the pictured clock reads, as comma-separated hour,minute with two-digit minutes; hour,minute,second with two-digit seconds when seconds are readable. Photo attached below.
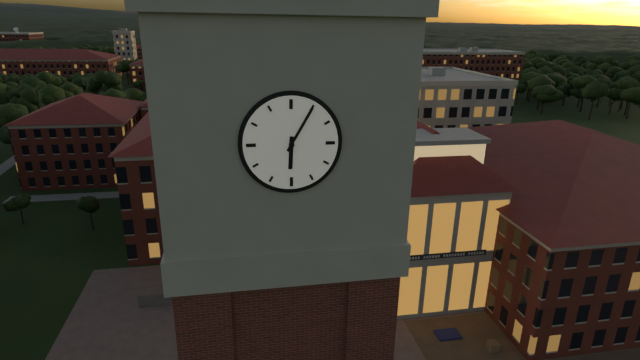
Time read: 6,05
